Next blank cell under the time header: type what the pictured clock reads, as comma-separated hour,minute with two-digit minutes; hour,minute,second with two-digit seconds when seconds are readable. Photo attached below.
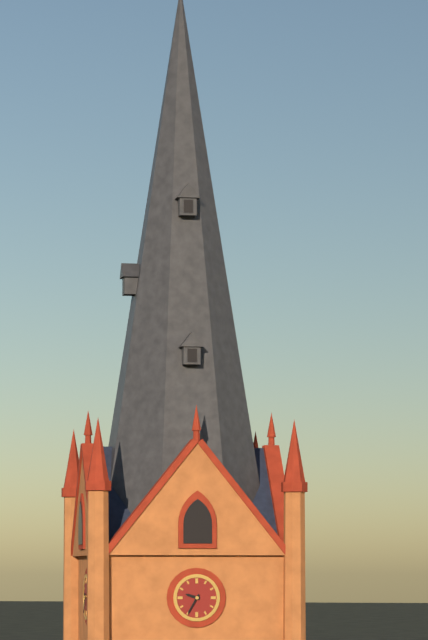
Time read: 9,35
